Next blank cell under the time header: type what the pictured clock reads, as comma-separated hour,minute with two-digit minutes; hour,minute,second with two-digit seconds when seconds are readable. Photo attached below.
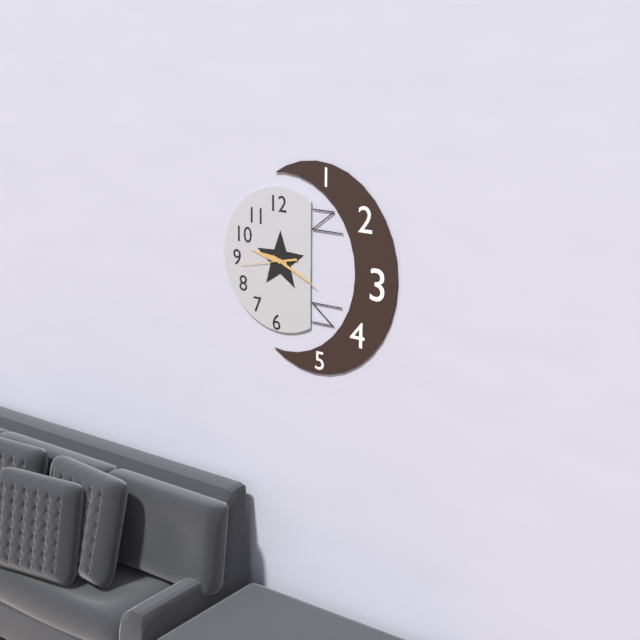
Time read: 9,19
